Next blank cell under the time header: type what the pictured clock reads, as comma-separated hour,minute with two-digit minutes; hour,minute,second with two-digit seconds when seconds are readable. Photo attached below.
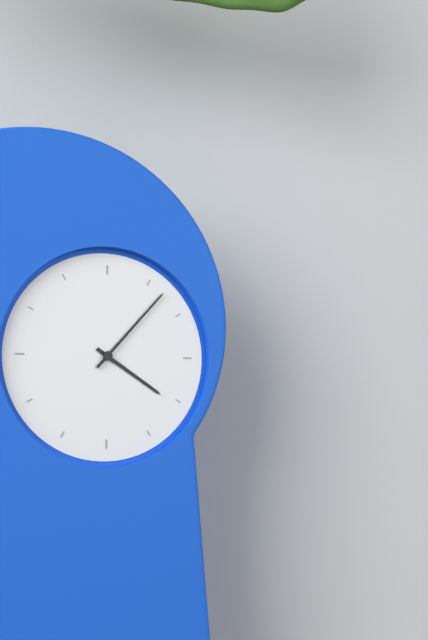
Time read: 4,07
